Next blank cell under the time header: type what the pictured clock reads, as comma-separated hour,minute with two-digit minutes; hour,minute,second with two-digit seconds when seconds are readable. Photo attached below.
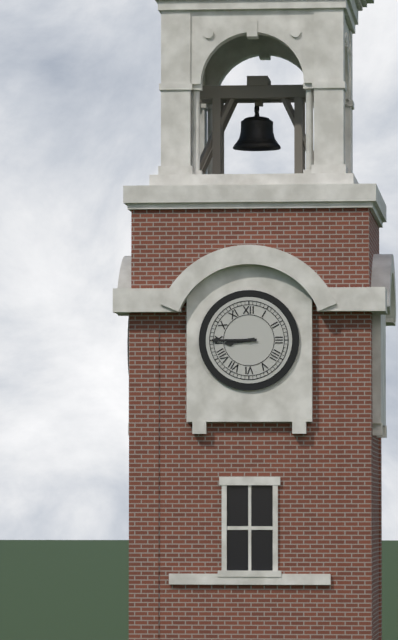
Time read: 8,45
